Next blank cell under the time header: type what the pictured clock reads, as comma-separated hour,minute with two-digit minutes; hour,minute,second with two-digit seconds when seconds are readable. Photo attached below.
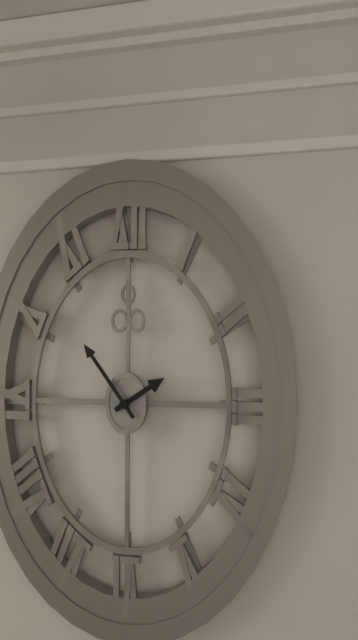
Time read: 1,54
